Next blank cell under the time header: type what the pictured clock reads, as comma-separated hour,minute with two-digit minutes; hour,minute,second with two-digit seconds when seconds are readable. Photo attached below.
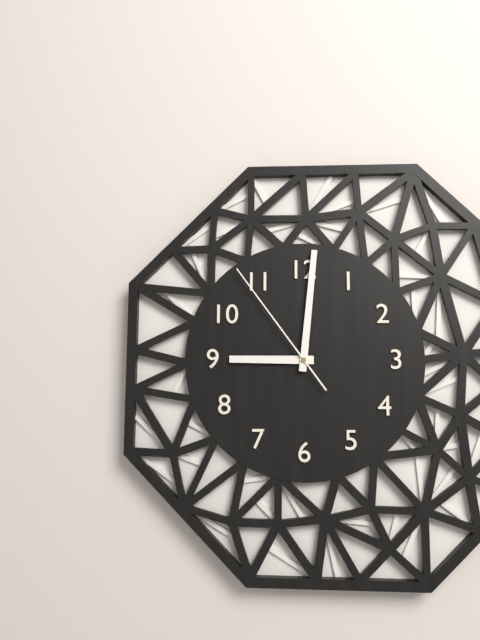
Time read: 9,01,54
